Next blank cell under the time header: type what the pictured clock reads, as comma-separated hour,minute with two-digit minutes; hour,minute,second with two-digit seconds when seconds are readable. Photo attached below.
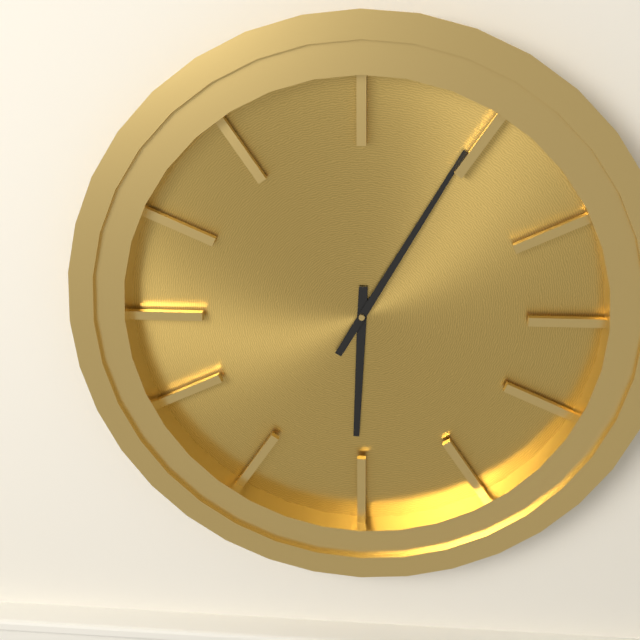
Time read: 6,05
